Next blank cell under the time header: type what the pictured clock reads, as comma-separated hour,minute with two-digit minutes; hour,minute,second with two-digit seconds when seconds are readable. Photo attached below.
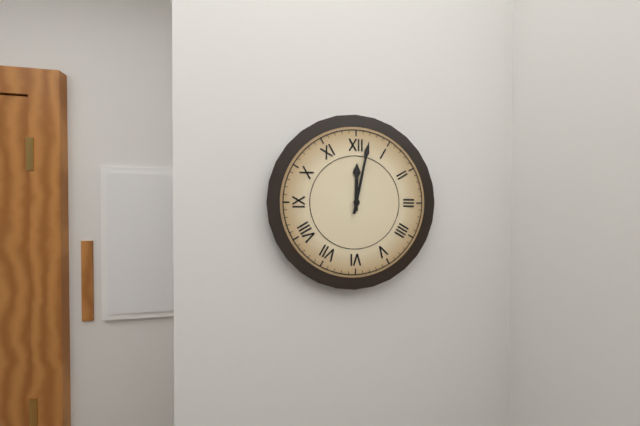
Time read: 12,02
